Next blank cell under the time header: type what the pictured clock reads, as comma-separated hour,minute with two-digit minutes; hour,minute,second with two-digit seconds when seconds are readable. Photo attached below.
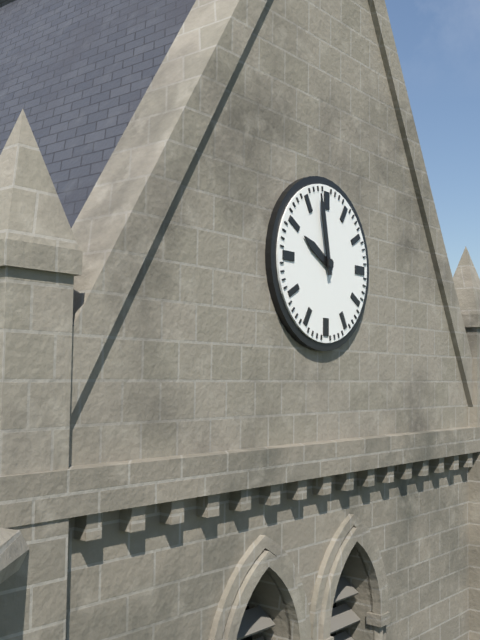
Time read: 9,58
